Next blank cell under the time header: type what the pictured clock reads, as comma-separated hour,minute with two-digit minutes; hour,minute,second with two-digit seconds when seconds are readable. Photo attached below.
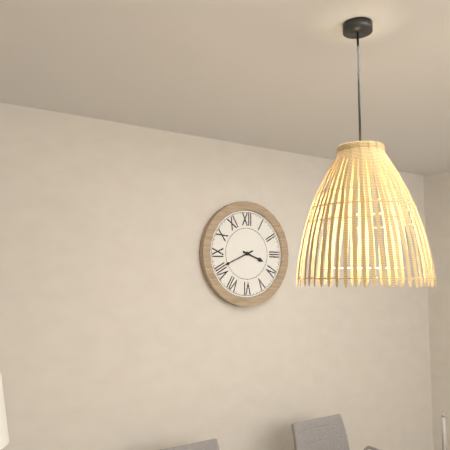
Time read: 3,41
